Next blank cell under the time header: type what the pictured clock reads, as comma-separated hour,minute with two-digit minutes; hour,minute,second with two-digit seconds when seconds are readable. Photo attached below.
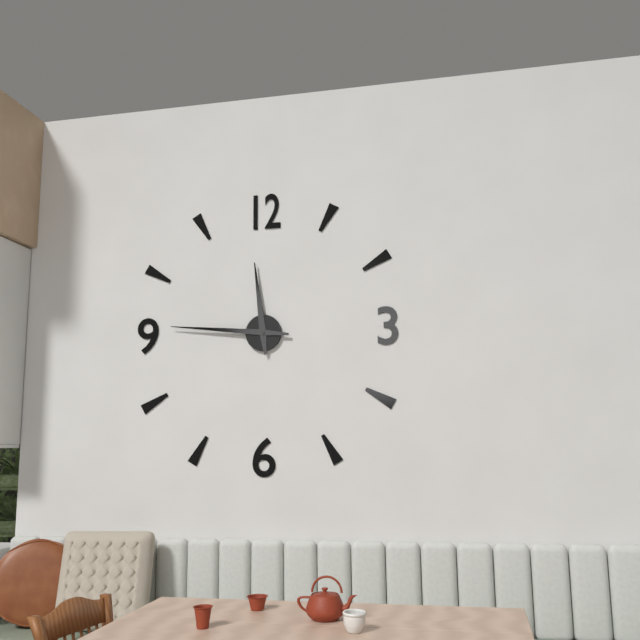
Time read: 11,46
